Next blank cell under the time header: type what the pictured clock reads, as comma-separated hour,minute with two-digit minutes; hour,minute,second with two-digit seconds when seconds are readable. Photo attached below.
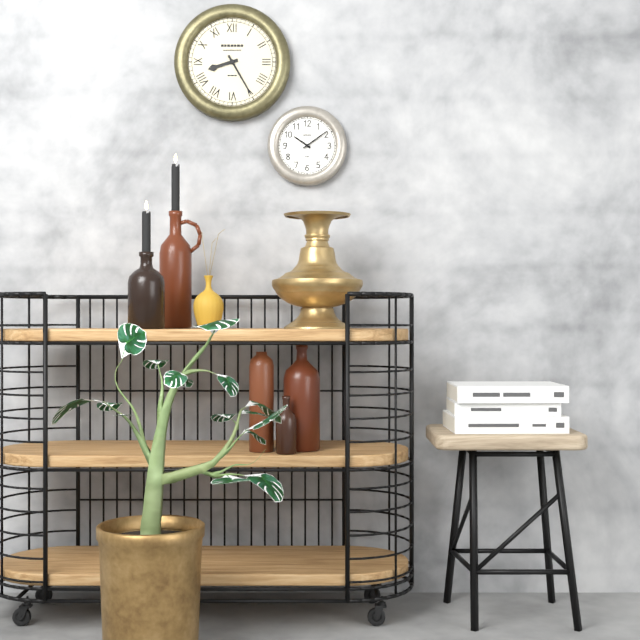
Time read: 8,25
